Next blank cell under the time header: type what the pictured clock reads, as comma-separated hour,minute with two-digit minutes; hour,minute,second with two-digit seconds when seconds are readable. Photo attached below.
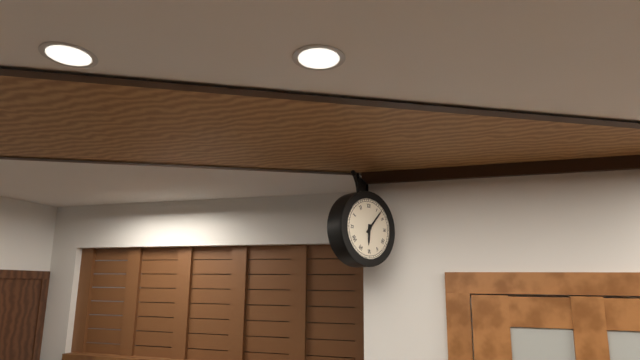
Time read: 6,07
